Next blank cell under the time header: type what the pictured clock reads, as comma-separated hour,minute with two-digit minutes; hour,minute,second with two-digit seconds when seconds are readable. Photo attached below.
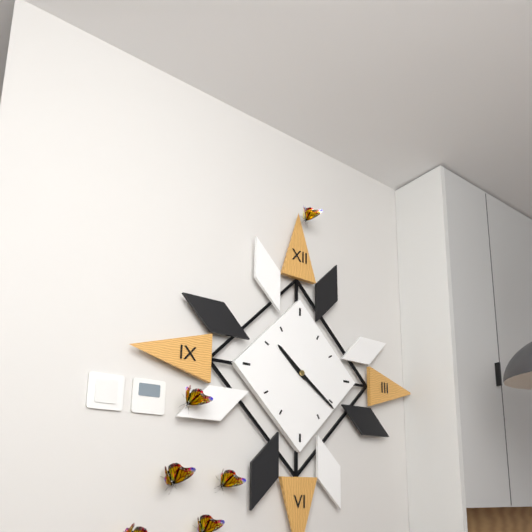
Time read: 10,21
